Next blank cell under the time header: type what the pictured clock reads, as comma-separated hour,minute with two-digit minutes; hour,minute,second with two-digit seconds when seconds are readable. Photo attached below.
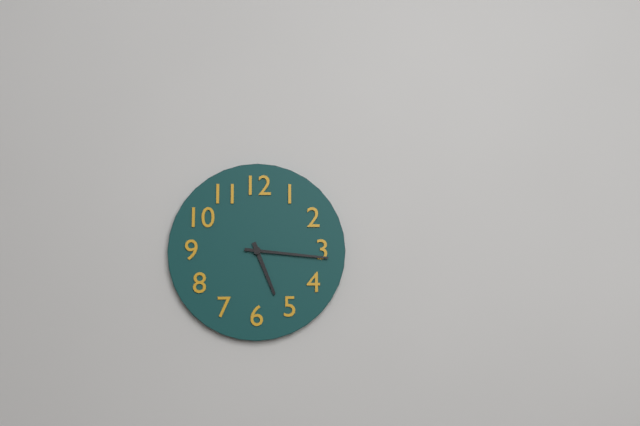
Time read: 5,16
